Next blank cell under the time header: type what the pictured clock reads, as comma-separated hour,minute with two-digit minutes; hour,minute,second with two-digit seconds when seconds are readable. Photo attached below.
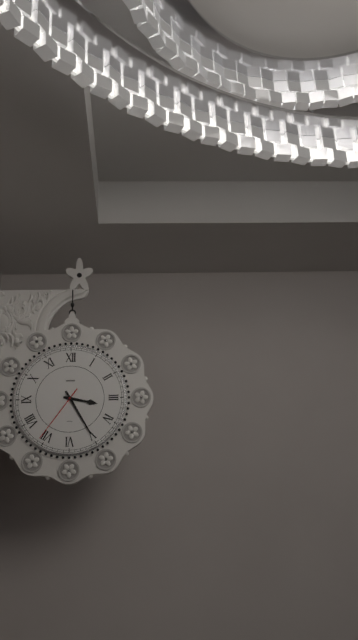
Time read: 3,25,36
